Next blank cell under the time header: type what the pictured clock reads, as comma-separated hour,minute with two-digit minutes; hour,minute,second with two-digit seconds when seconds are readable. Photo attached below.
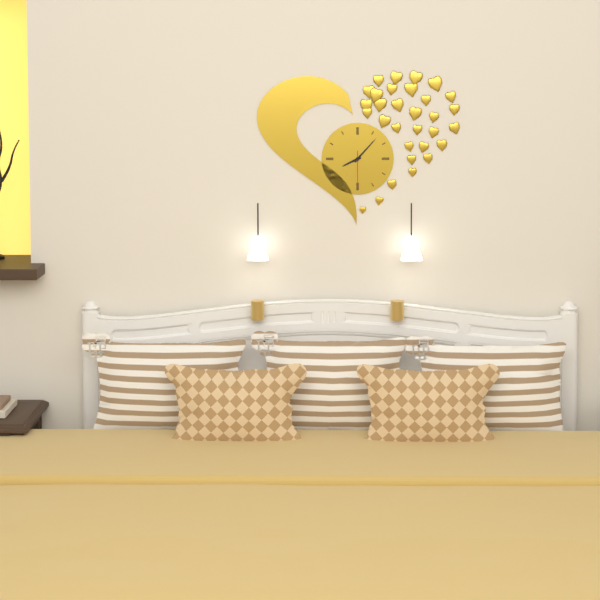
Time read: 8,07
